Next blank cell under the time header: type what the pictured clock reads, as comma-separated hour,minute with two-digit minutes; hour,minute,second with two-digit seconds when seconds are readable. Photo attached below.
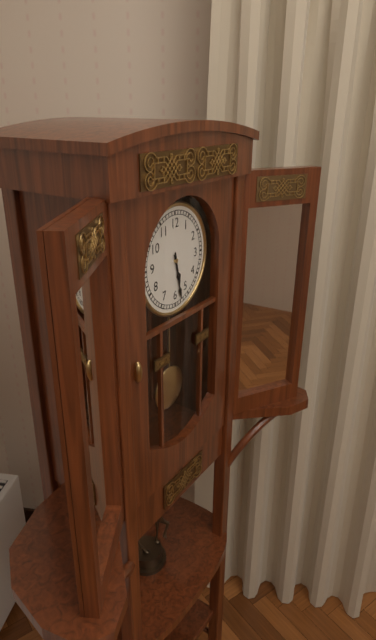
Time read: 5,28
